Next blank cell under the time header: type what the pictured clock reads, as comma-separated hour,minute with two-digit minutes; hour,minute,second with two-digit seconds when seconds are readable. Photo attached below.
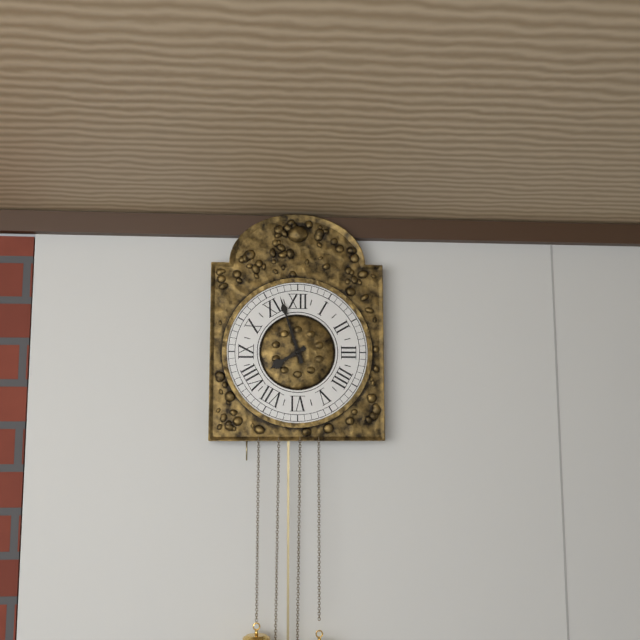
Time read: 7,57
